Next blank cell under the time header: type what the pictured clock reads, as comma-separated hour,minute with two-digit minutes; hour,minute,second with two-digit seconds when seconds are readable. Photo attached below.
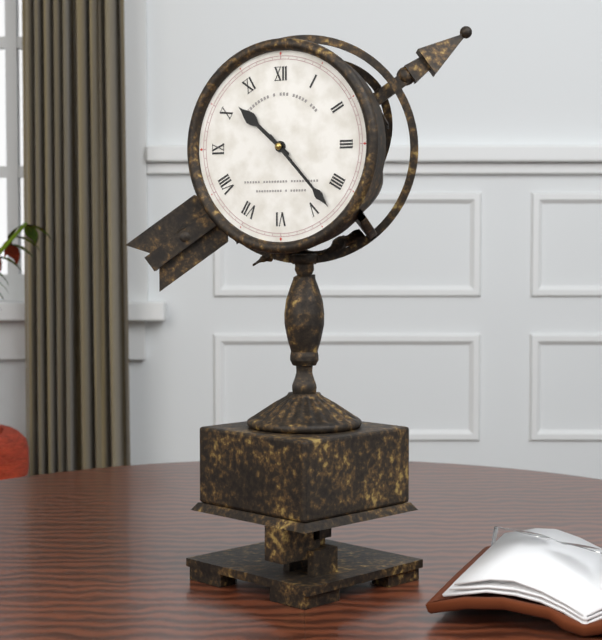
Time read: 10,23
